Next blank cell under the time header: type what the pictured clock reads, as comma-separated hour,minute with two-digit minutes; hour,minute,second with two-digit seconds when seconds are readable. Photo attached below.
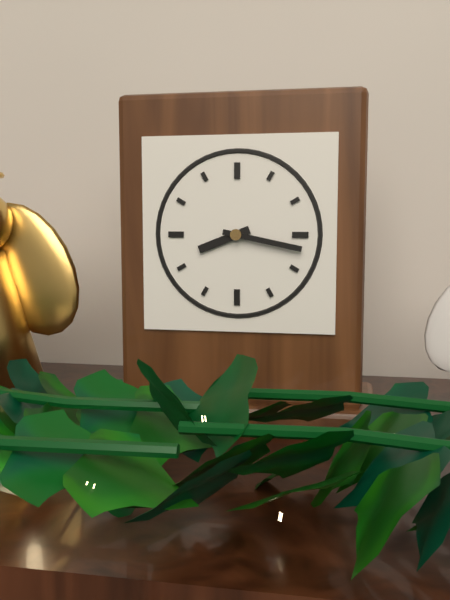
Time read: 8,17
